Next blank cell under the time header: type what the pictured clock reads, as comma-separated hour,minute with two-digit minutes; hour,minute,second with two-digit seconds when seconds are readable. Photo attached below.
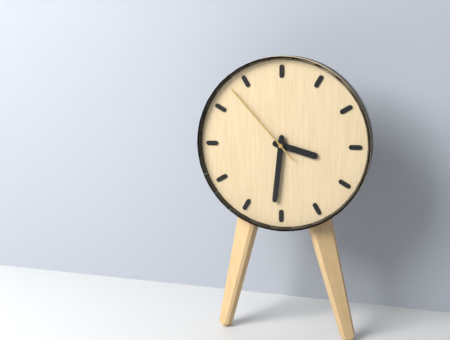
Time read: 3,31,53
